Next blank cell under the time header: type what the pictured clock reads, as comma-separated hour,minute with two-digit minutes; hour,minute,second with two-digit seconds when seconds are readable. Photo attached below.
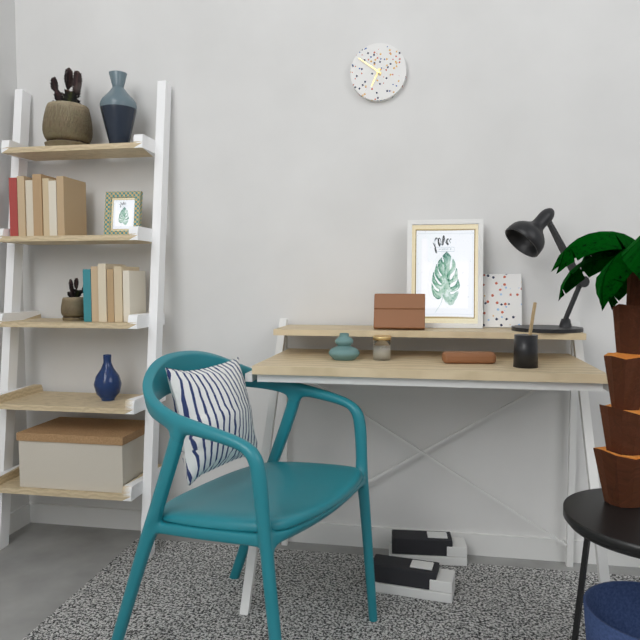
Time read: 6,51
